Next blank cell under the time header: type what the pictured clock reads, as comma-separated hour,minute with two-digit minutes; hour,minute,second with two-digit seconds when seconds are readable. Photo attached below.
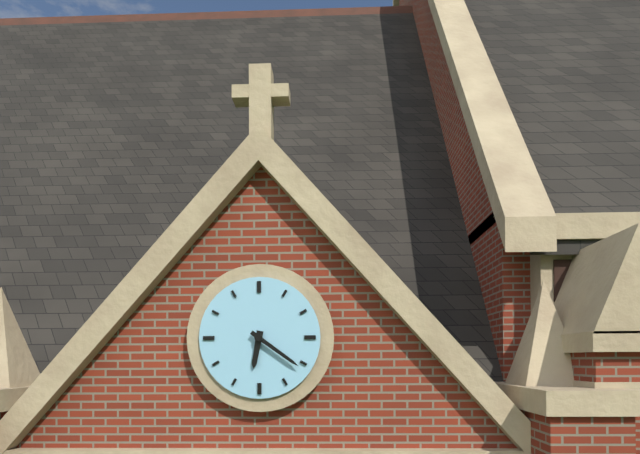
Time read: 6,21
